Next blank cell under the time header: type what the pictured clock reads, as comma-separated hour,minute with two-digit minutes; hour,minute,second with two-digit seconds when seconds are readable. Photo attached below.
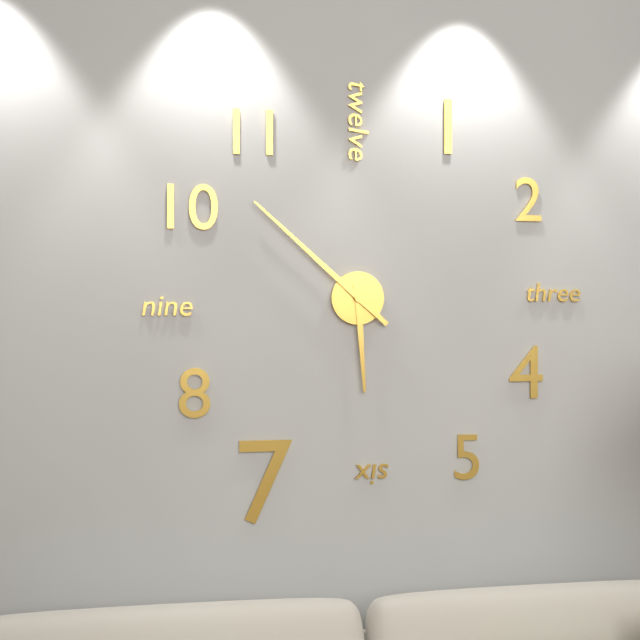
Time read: 5,52
